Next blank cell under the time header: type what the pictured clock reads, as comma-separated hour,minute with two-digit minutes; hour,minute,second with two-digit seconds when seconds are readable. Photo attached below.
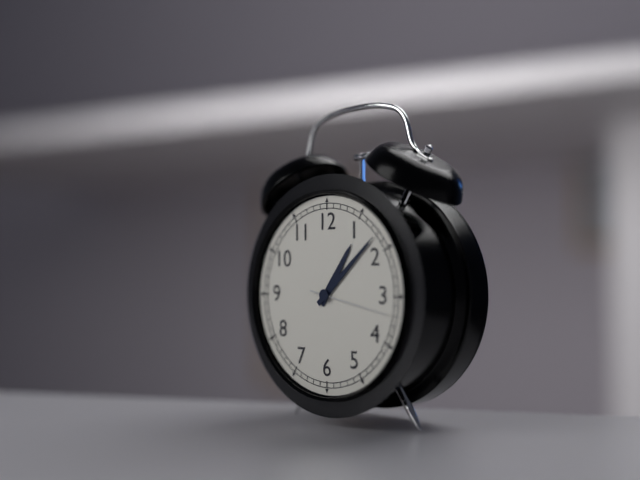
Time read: 1,08,17
